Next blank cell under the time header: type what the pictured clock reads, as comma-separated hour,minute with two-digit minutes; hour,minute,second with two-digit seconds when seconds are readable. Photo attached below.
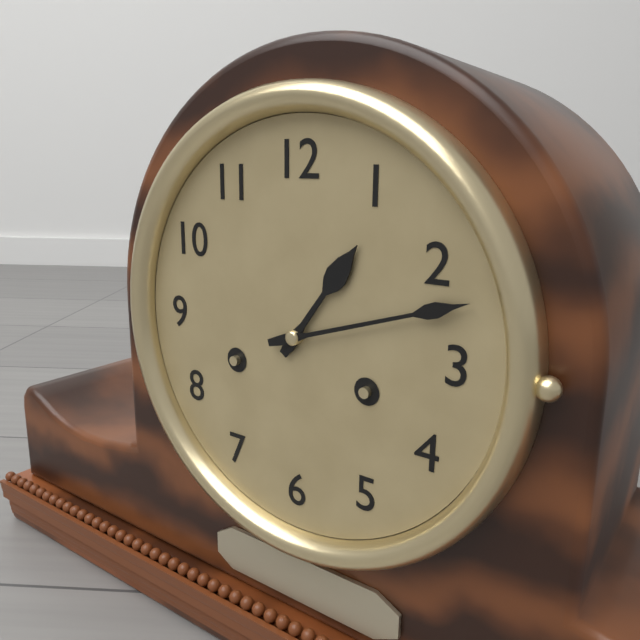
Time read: 1,12
